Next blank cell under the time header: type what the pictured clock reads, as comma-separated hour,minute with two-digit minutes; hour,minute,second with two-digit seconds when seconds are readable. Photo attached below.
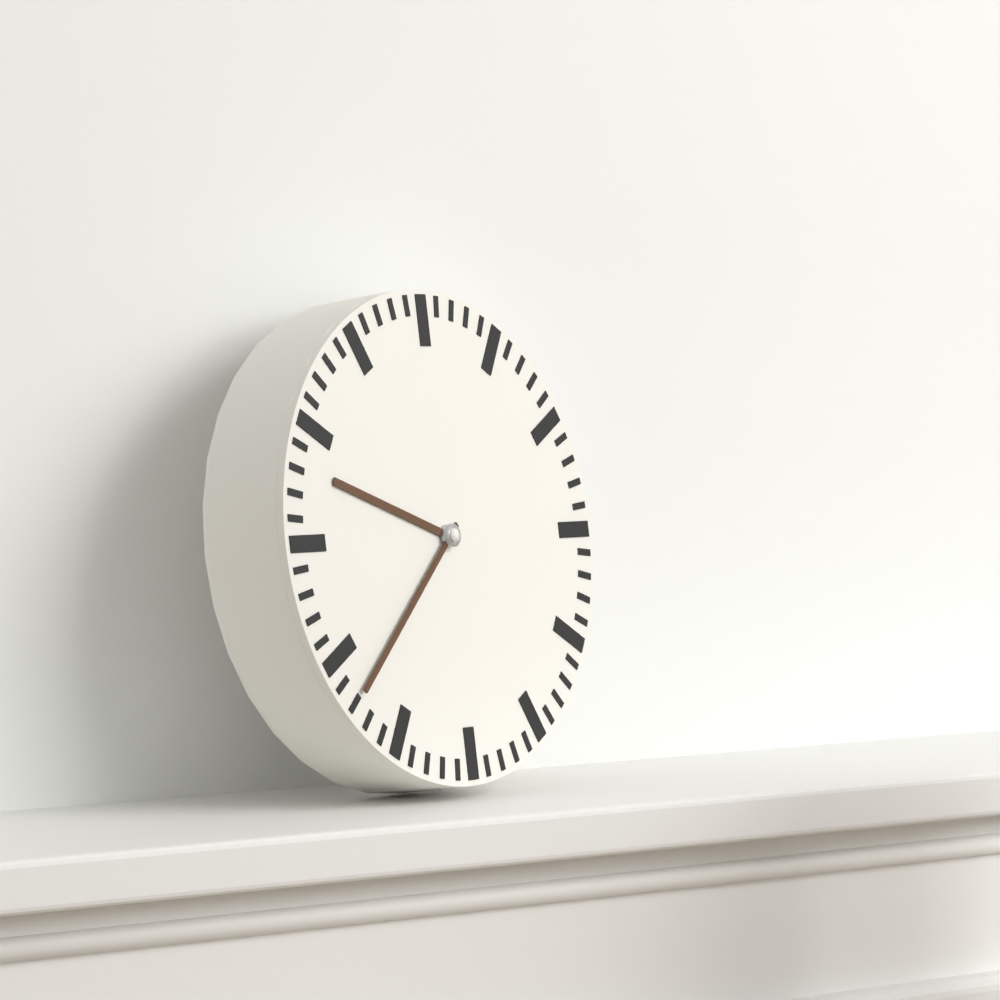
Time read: 9,38
